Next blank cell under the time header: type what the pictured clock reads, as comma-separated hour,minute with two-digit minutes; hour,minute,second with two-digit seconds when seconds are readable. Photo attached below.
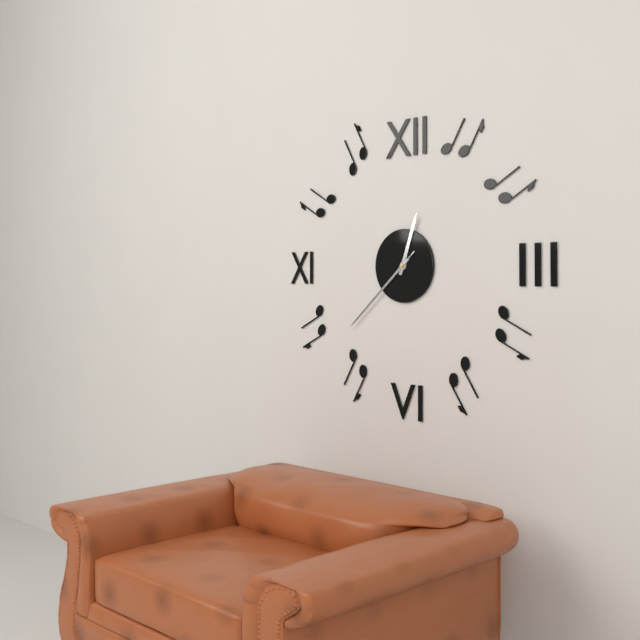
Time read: 12,38,38
